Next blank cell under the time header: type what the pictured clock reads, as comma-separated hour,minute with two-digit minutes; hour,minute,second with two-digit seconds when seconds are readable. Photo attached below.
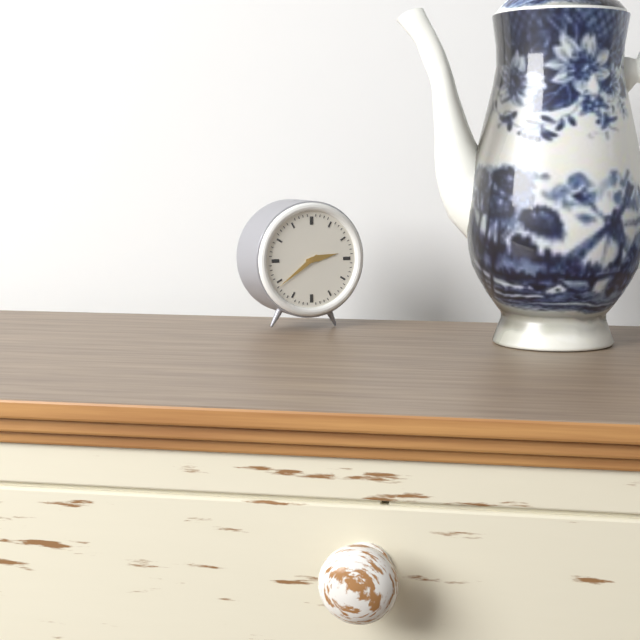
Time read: 2,39
